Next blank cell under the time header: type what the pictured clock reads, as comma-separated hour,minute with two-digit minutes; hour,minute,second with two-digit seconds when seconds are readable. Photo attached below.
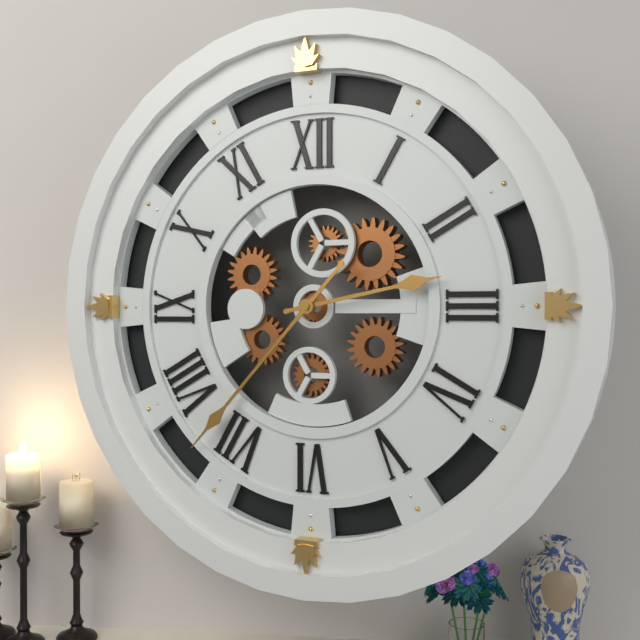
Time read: 2,37
